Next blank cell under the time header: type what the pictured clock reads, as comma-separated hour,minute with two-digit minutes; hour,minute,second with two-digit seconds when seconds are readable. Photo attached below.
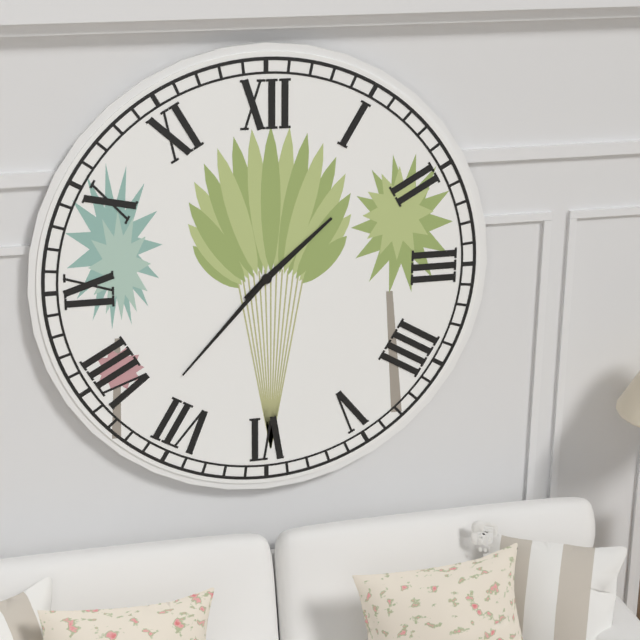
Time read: 1,37
